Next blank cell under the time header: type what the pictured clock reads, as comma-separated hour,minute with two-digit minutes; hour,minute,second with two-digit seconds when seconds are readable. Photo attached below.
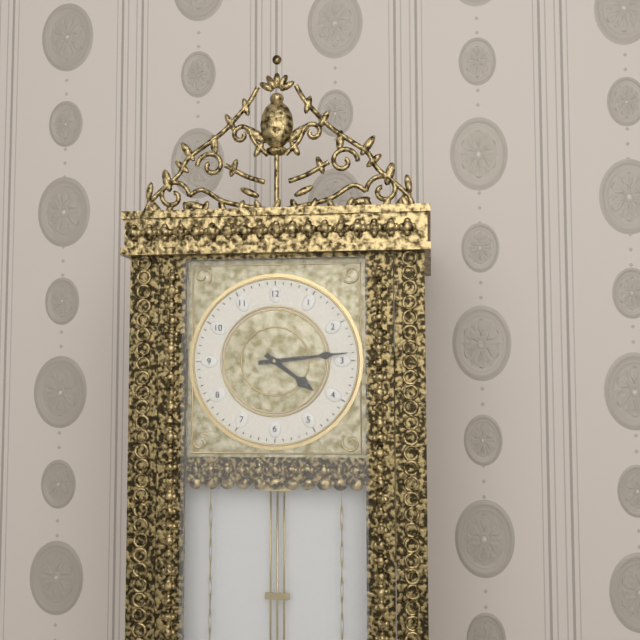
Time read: 4,14
